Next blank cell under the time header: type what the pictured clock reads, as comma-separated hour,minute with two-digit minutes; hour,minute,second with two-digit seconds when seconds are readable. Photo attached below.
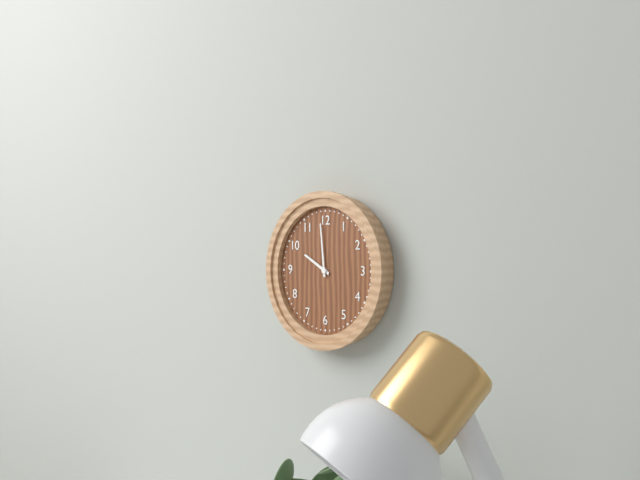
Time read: 9,59
